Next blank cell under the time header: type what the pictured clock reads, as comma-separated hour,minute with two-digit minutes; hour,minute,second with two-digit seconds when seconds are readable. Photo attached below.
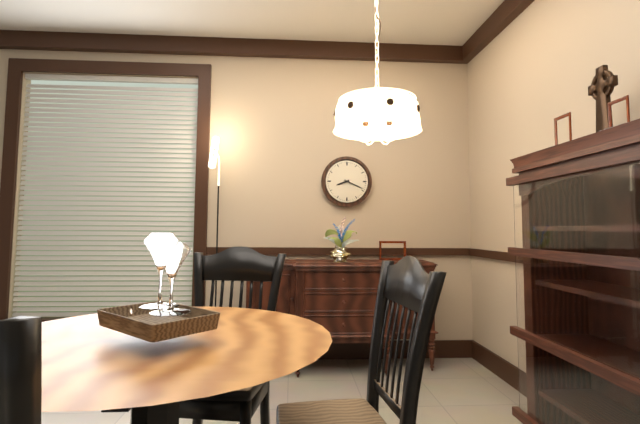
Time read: 8,19
